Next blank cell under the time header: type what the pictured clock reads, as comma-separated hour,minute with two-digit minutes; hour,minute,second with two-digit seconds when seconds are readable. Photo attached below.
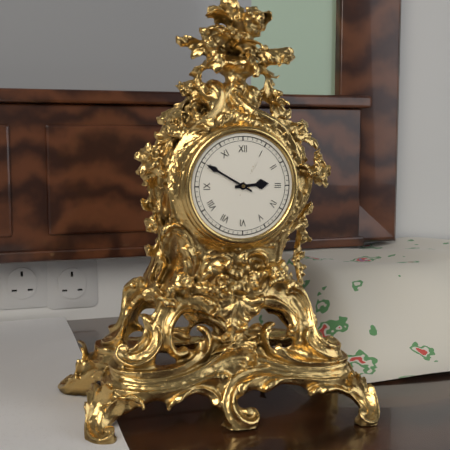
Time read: 2,50
